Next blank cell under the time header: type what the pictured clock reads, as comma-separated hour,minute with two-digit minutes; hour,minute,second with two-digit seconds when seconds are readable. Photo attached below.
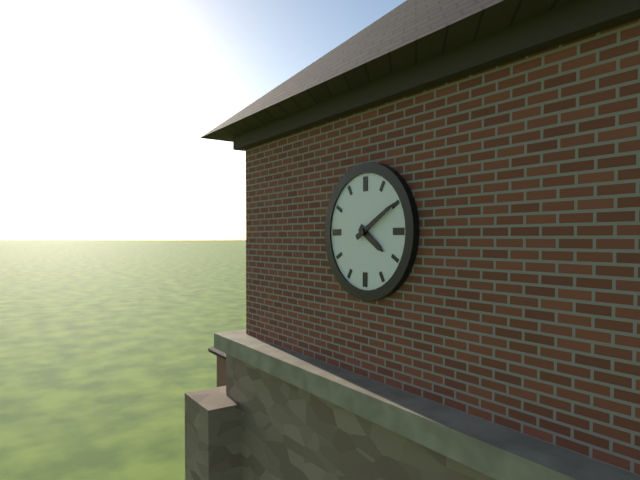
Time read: 4,10
